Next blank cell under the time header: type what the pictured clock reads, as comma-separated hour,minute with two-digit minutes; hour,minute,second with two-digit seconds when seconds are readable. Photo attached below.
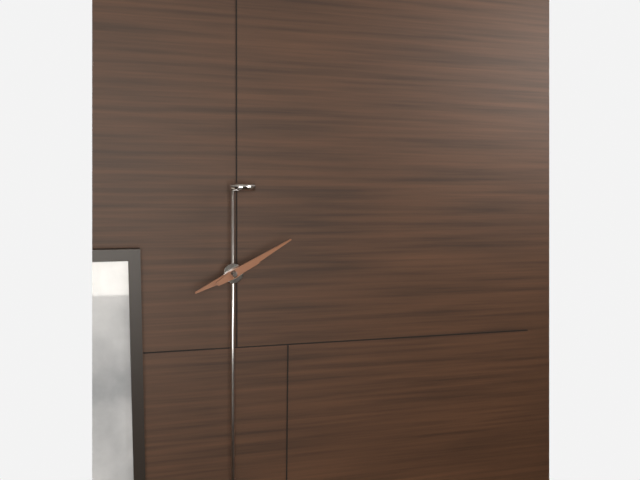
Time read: 8,10
